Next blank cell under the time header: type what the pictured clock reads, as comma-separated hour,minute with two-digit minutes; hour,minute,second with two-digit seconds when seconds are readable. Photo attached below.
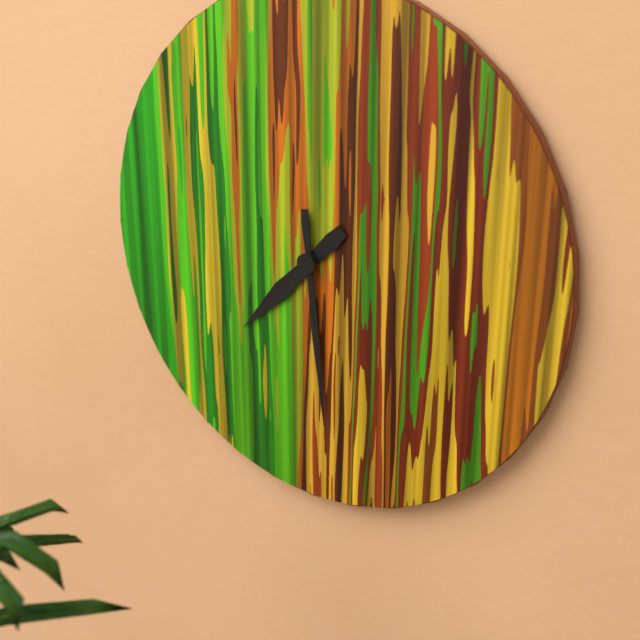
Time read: 7,29
